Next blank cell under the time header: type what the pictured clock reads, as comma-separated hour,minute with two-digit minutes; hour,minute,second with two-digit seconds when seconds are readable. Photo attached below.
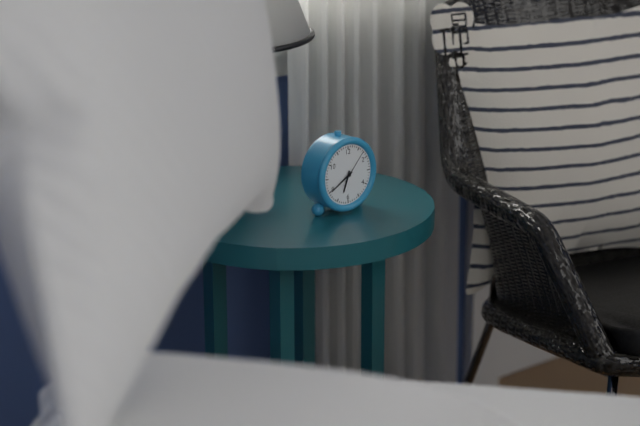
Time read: 6,40
